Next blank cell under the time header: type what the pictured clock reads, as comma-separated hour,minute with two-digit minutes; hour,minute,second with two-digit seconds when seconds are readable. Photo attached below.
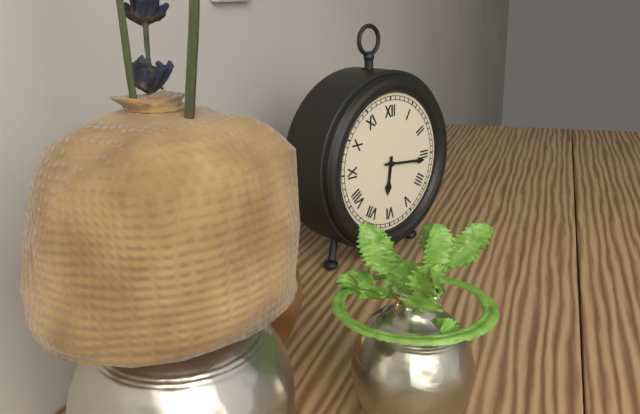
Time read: 6,16
